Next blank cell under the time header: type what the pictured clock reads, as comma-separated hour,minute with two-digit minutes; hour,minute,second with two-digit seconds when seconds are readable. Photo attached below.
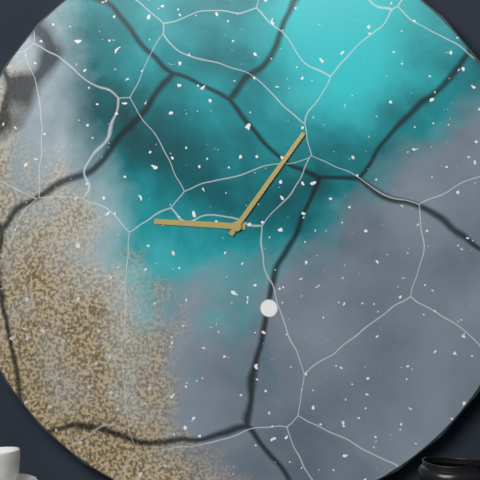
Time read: 9,06
